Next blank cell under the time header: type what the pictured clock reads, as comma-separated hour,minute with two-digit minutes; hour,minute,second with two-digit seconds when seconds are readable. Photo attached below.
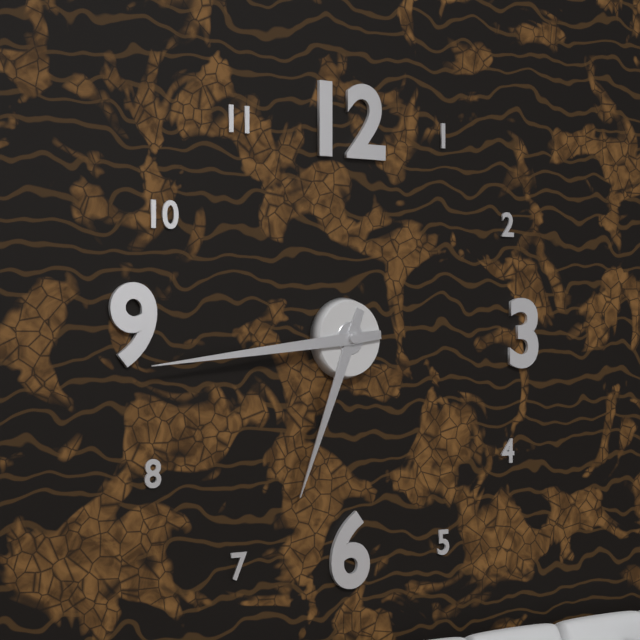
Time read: 6,44
